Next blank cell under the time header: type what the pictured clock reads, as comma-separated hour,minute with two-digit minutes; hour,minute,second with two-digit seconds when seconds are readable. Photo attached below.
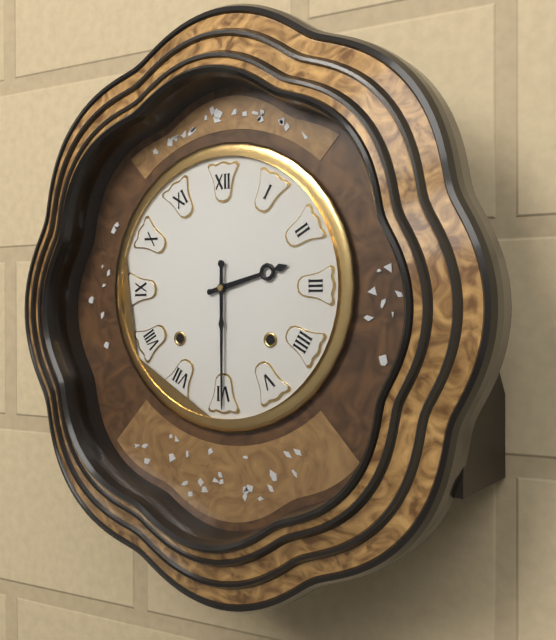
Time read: 2,30
